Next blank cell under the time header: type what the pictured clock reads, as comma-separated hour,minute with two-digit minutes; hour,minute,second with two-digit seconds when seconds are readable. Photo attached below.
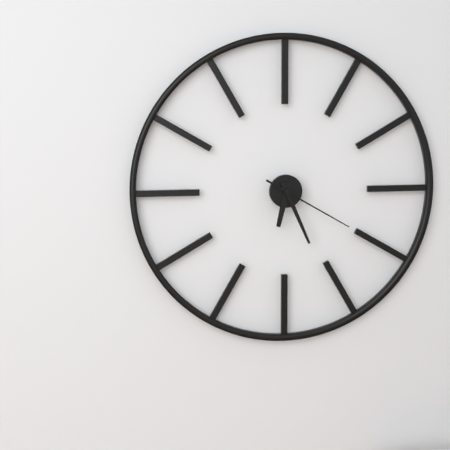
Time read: 6,26,20
